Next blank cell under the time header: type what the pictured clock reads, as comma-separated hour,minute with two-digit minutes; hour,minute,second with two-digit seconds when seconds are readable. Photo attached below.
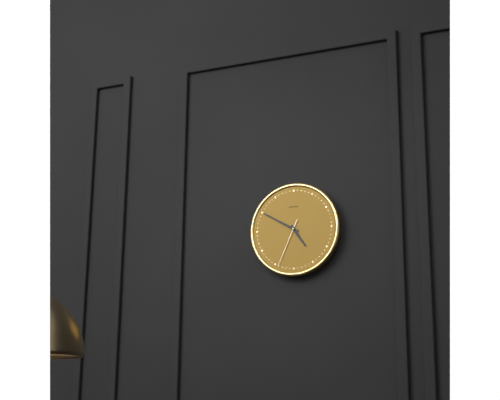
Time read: 4,50,34
